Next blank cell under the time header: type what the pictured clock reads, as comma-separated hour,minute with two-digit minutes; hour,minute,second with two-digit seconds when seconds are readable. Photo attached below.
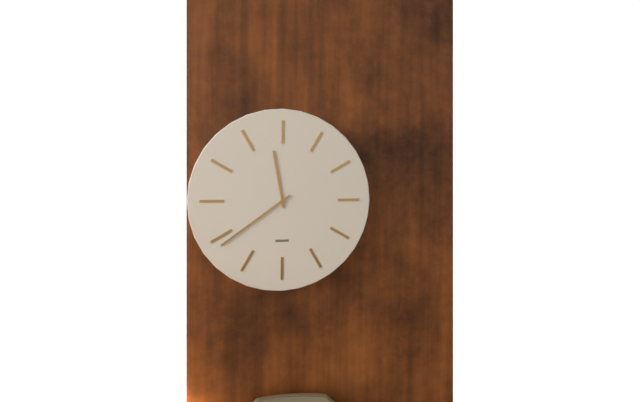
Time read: 11,39
